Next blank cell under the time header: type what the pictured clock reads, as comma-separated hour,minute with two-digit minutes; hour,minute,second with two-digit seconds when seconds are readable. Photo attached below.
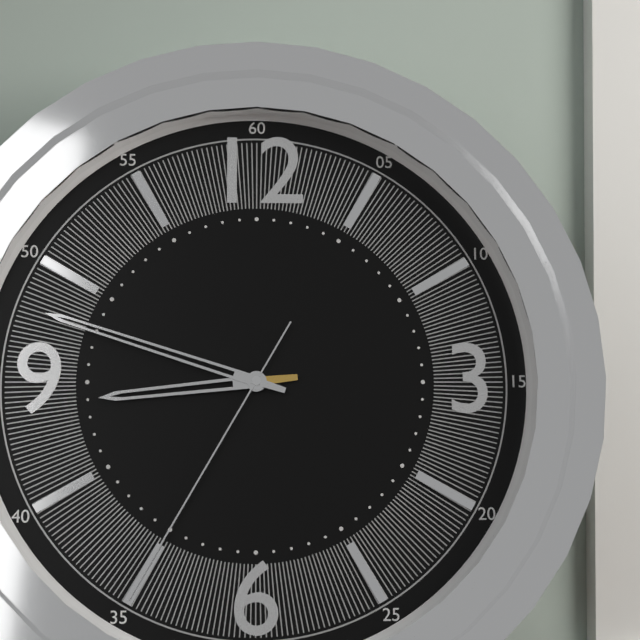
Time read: 8,48,35
